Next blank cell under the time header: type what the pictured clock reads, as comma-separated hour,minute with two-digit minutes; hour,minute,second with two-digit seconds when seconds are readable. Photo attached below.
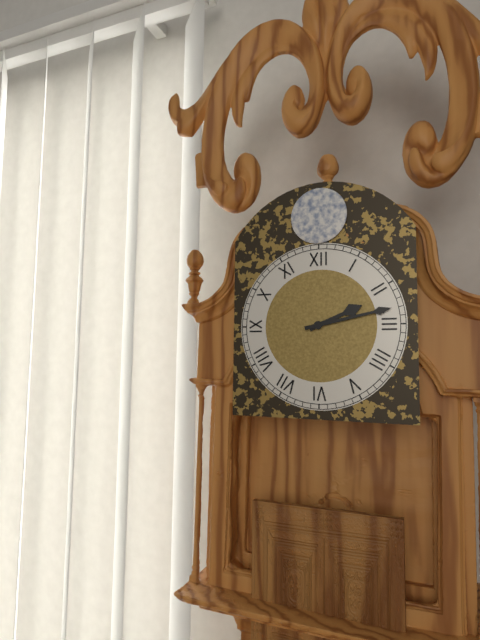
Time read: 2,13
